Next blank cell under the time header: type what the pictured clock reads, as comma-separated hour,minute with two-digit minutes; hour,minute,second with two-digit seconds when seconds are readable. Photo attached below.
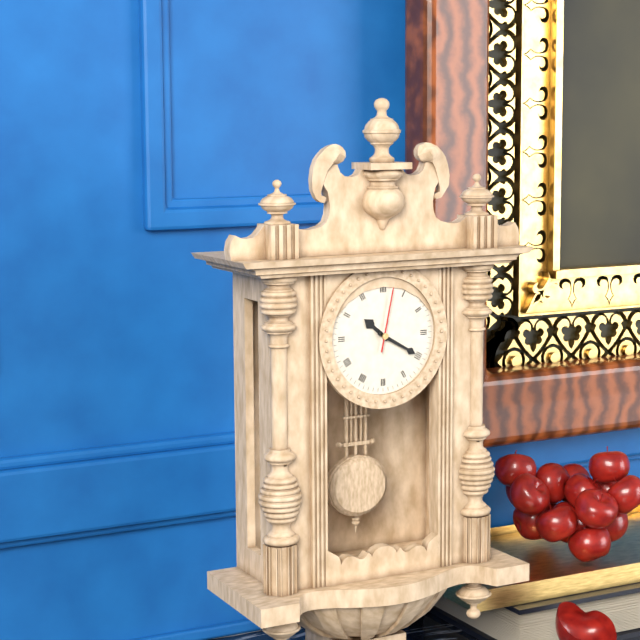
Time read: 10,20,02
